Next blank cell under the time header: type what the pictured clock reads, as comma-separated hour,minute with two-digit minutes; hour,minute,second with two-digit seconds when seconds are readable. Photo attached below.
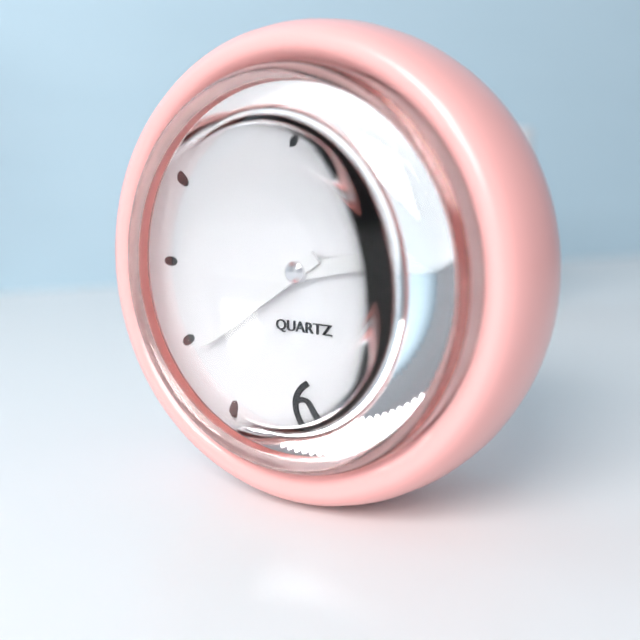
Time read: 2,39
